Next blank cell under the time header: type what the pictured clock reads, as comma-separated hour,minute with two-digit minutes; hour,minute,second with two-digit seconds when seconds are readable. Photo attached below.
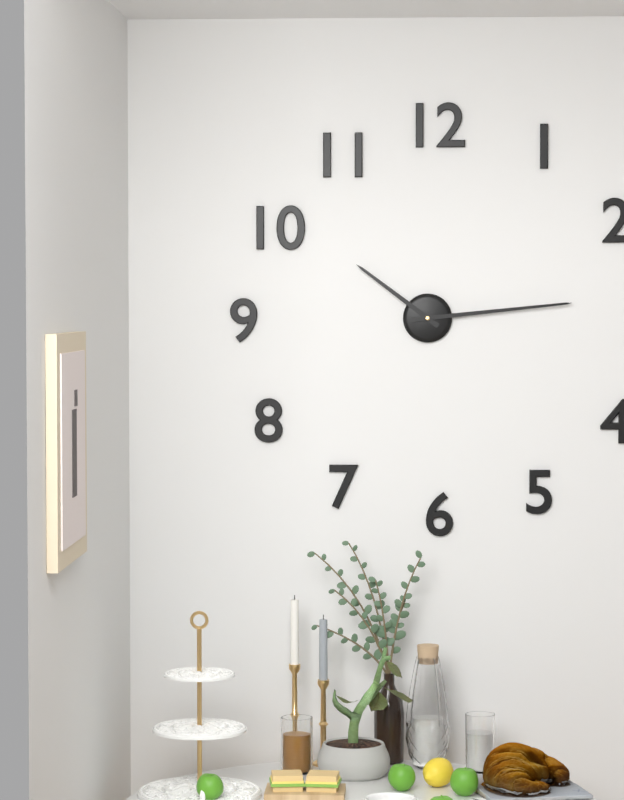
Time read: 10,14
